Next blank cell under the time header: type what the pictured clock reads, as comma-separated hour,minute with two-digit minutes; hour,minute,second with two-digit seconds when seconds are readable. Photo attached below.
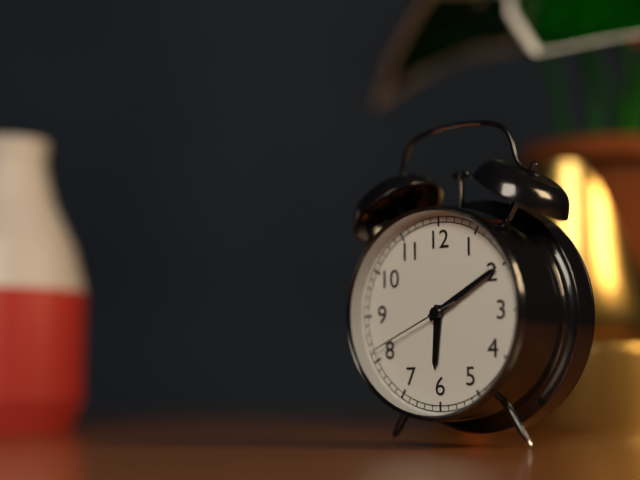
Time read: 6,10,41
